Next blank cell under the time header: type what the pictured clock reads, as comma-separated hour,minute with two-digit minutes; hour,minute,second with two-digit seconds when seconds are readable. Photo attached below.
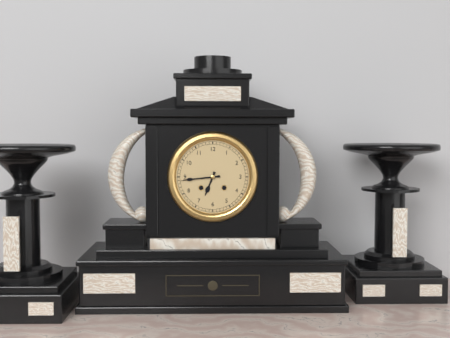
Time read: 6,44
